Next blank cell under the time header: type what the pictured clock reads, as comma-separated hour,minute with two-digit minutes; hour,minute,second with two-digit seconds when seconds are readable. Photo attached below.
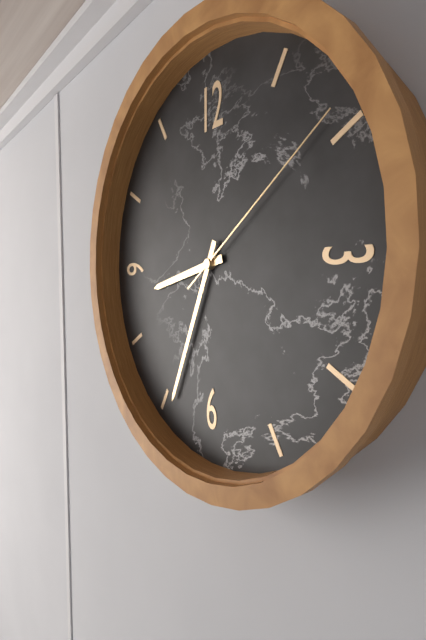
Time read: 8,34,09
